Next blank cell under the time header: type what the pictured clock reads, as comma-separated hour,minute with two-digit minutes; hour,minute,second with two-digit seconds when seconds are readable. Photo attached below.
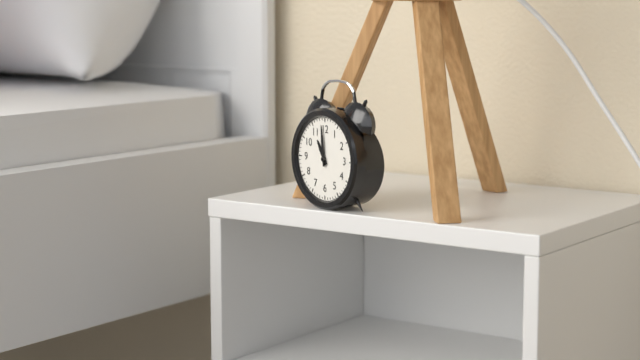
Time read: 10,59
